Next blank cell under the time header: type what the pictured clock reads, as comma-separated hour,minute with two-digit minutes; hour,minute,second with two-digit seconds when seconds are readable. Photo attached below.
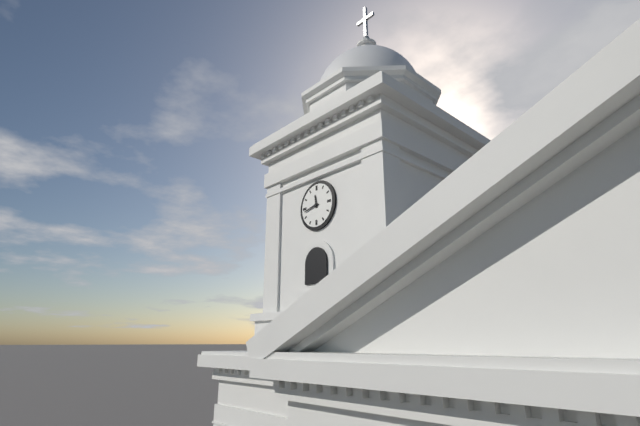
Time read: 11,43
